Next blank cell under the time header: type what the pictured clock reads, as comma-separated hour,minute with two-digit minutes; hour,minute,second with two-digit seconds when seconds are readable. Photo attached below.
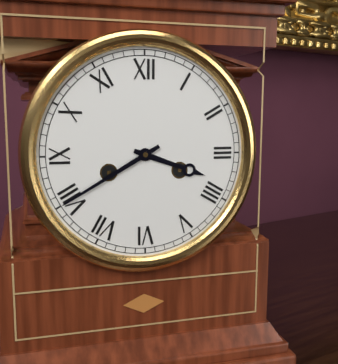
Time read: 3,40
